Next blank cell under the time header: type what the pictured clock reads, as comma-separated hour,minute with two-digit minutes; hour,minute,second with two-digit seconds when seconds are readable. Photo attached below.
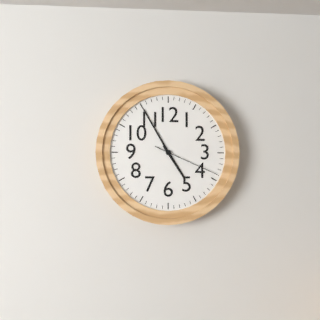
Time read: 4,55,19
